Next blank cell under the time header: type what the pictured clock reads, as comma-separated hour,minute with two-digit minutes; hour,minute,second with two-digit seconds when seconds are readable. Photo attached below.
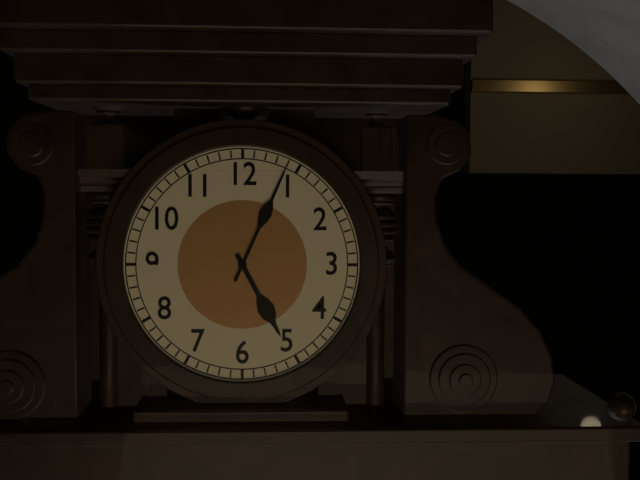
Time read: 5,04
